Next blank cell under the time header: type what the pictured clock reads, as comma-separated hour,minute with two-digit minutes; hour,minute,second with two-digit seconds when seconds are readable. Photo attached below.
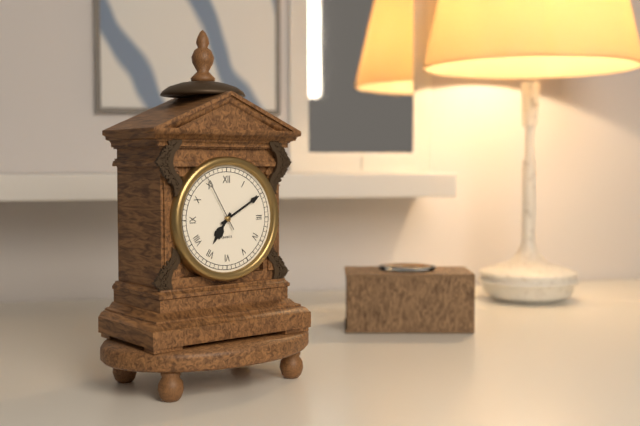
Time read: 7,10,55
